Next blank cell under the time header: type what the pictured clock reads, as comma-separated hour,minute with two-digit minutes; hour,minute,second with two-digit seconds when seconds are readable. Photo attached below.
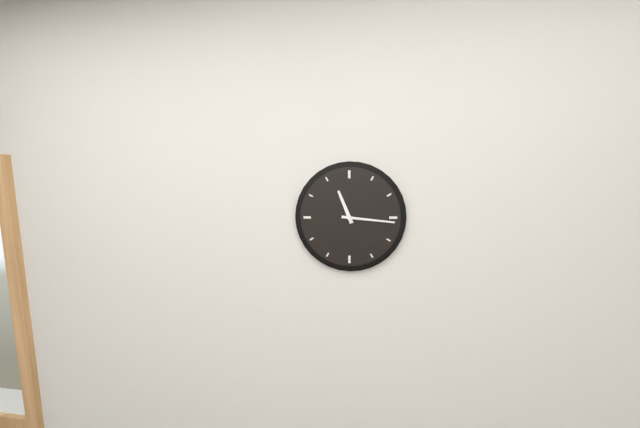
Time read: 11,16
